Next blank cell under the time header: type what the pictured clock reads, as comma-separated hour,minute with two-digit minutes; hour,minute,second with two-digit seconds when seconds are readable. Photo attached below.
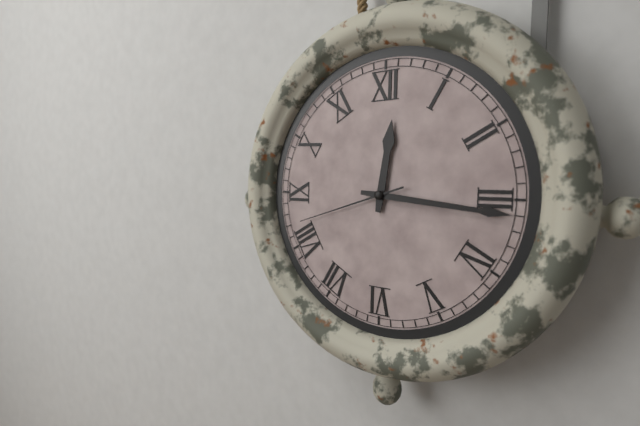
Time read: 12,16,42
